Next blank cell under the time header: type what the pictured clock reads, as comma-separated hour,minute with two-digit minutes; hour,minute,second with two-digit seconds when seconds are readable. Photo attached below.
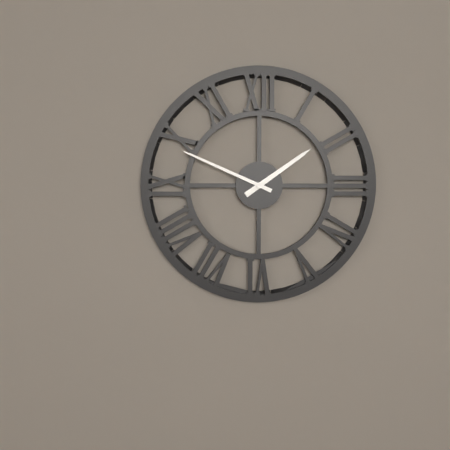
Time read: 1,49
